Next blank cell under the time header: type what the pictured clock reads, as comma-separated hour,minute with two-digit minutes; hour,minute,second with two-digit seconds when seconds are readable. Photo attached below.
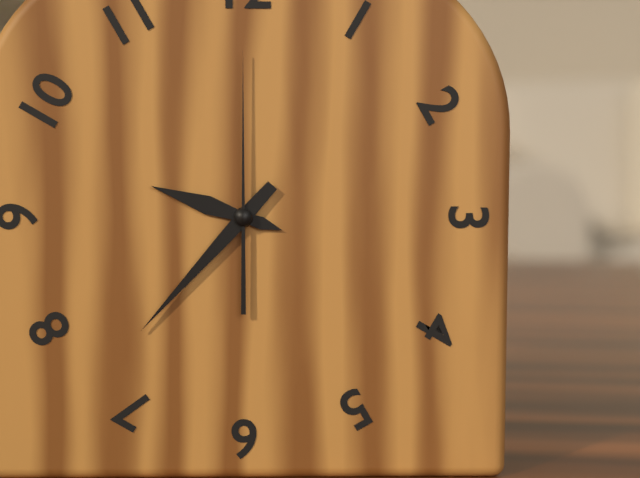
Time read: 9,37,00
